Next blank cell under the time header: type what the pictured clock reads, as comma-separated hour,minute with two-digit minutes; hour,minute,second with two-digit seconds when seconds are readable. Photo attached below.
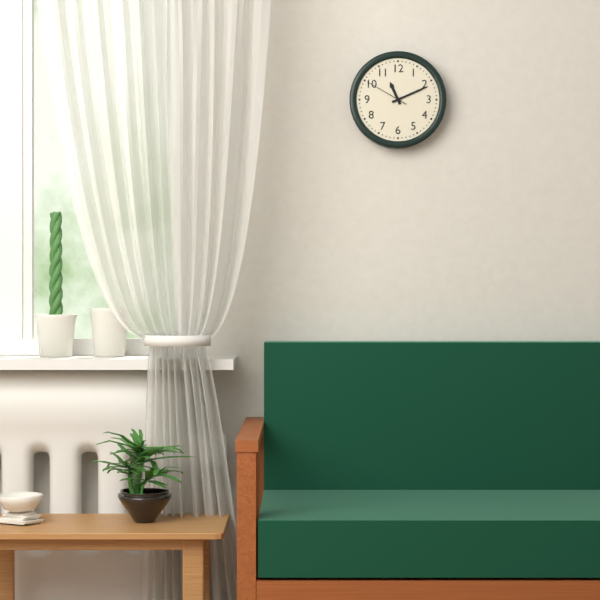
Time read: 11,11
